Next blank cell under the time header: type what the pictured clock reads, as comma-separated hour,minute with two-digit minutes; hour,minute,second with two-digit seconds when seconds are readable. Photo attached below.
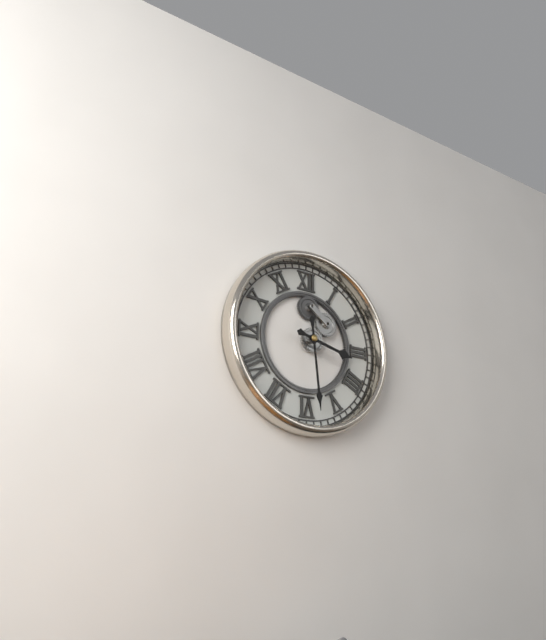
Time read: 3,29
